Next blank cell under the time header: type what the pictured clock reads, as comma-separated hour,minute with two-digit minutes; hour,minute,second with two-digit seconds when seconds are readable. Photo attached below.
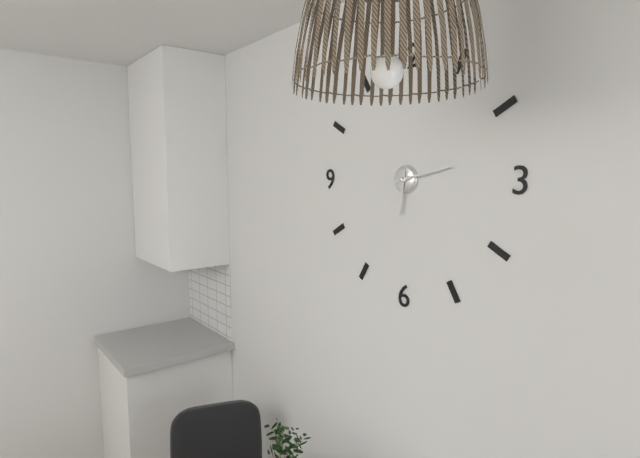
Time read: 6,13
